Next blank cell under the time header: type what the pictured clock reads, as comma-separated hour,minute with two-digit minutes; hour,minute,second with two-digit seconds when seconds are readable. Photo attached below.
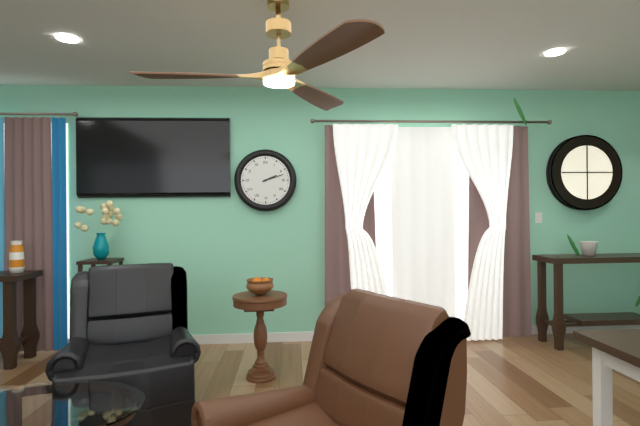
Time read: 2,12
